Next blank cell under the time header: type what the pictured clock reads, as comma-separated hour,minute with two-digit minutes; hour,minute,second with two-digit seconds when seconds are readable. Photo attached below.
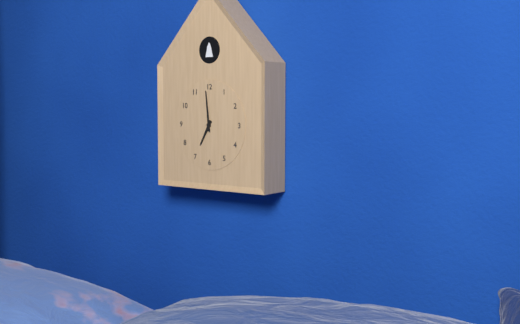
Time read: 6,59
